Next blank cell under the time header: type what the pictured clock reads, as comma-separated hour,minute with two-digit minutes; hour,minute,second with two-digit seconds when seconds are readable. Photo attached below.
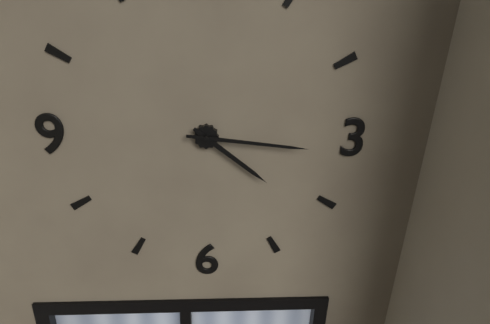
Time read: 4,16
